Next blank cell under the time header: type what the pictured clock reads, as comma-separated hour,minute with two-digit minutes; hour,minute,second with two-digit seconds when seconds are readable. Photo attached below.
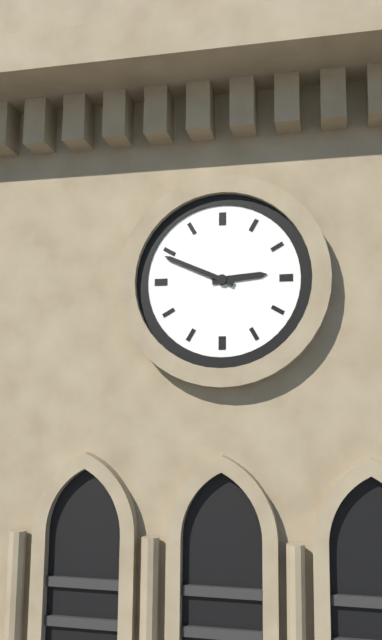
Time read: 2,49
